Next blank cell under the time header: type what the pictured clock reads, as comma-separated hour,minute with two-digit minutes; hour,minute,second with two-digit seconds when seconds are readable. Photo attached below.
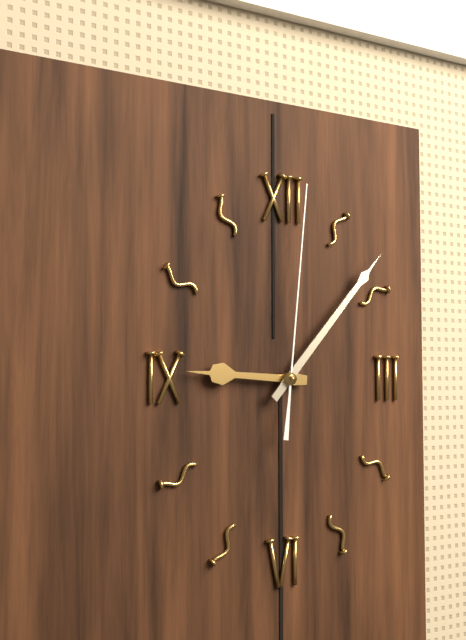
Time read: 9,07,01
